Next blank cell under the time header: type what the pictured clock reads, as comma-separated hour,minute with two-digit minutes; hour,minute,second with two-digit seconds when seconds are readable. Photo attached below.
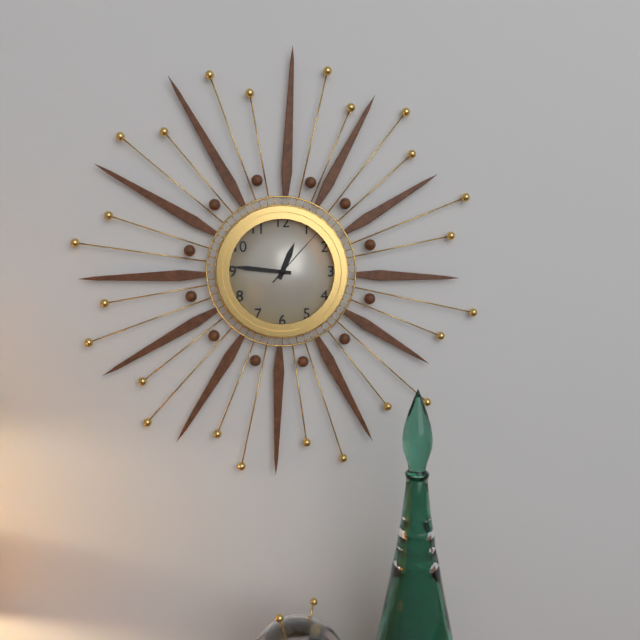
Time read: 12,46,07
